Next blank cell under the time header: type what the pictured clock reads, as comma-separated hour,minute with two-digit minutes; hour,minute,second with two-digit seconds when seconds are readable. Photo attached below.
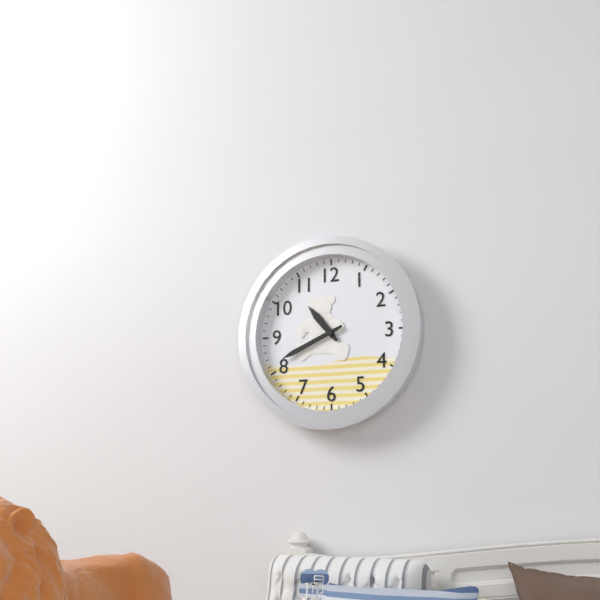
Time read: 10,41
